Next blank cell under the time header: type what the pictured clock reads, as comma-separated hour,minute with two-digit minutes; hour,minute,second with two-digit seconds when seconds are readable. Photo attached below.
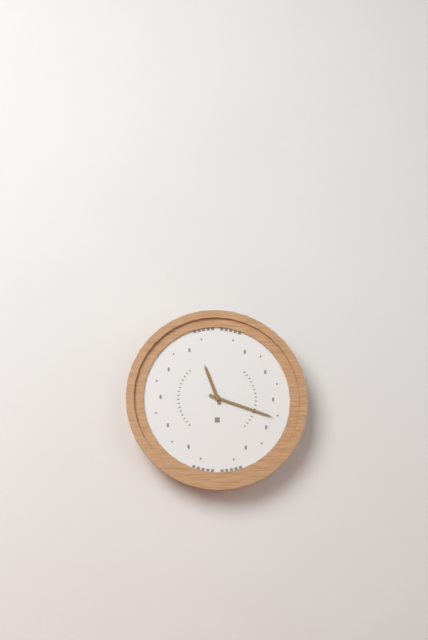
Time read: 11,18
